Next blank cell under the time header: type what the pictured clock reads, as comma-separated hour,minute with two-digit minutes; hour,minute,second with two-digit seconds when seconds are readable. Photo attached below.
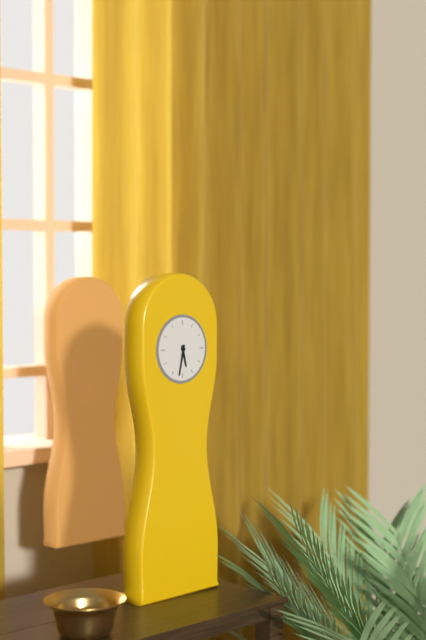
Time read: 5,32
